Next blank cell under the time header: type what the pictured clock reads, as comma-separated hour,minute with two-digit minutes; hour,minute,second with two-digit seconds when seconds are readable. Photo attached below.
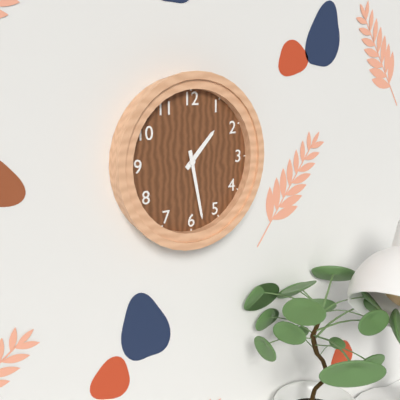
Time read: 1,28
